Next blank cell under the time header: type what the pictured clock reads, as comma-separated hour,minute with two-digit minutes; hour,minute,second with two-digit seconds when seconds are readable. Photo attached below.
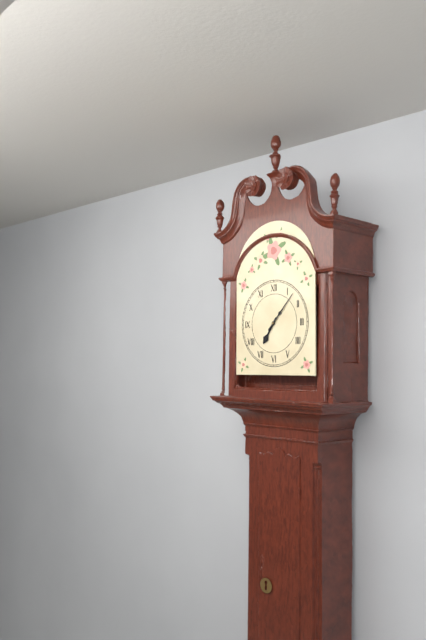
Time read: 7,07
